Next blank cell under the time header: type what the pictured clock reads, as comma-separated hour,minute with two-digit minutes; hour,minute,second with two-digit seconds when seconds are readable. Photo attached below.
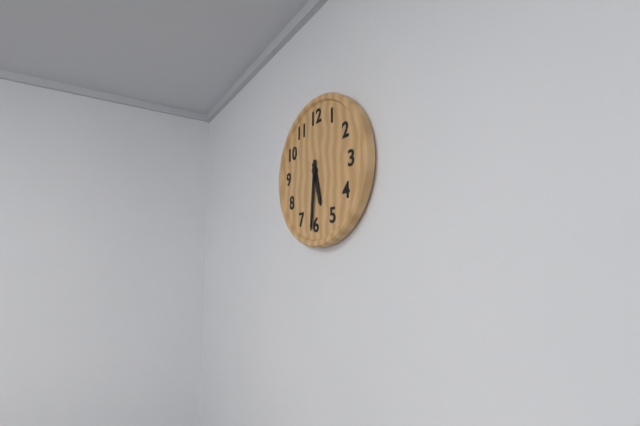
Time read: 5,31
